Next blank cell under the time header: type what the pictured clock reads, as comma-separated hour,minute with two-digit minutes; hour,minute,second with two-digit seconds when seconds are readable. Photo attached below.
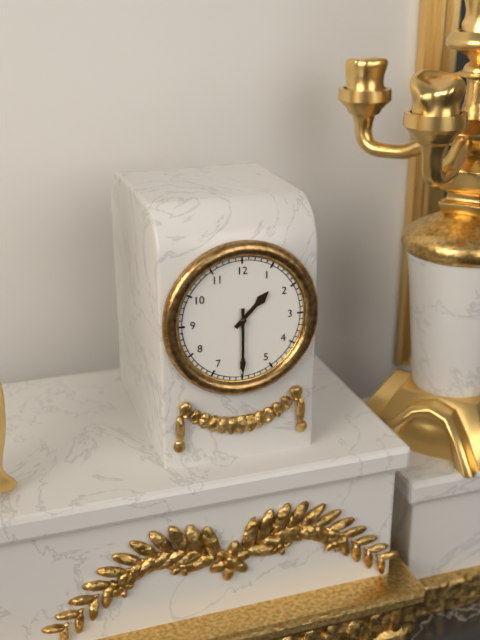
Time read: 1,30
